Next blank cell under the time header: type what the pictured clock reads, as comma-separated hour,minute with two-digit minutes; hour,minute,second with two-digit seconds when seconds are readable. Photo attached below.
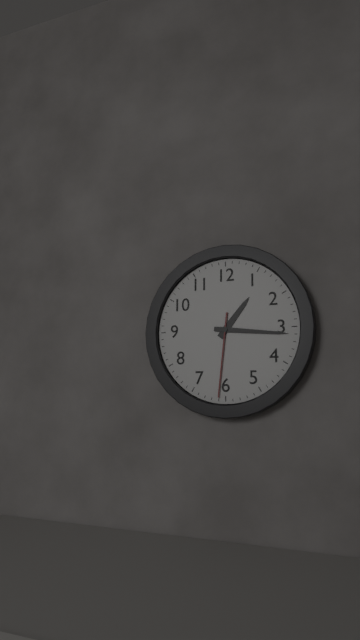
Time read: 1,16,31
